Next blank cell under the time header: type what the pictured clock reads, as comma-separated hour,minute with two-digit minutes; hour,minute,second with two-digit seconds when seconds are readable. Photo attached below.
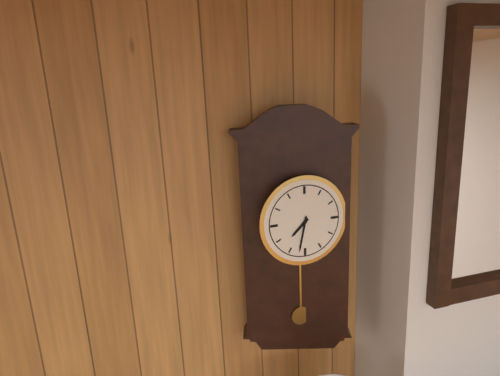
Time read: 7,32
